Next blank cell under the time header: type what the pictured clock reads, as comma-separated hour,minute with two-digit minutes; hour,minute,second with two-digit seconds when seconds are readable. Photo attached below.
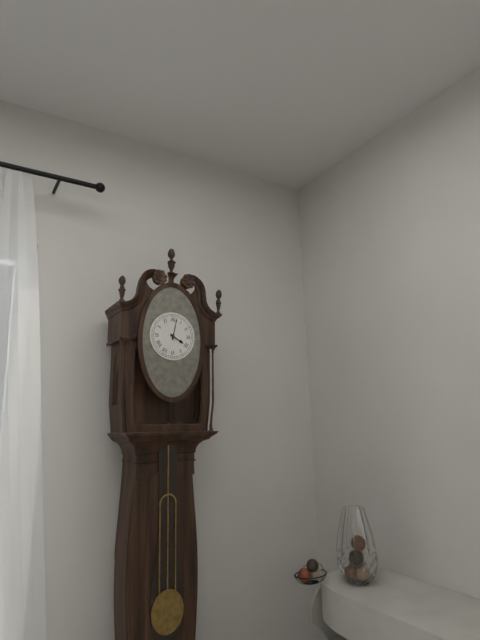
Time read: 4,02
